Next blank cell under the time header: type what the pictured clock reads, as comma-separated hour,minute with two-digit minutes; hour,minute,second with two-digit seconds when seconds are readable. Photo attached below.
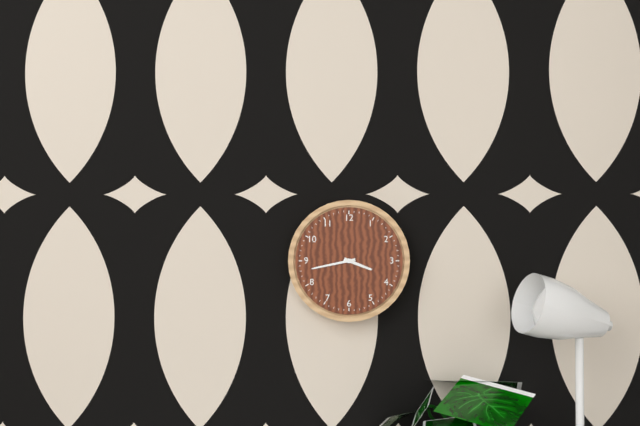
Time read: 3,43
